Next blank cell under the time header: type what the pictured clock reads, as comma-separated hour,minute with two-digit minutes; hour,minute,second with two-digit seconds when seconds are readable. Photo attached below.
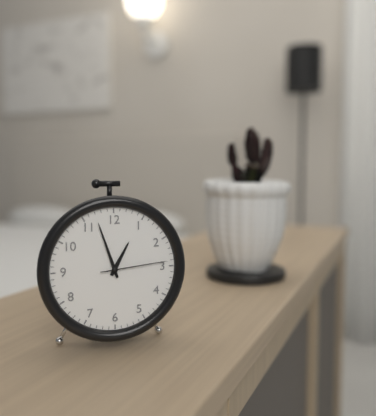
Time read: 12,57,14
